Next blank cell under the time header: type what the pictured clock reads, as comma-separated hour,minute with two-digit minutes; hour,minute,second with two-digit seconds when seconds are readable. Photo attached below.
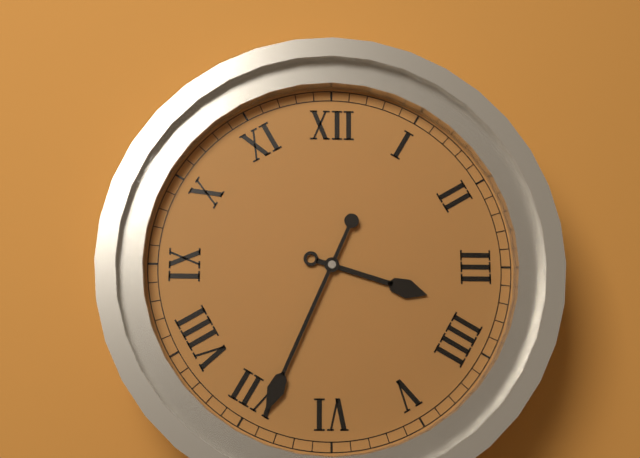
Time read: 3,34
